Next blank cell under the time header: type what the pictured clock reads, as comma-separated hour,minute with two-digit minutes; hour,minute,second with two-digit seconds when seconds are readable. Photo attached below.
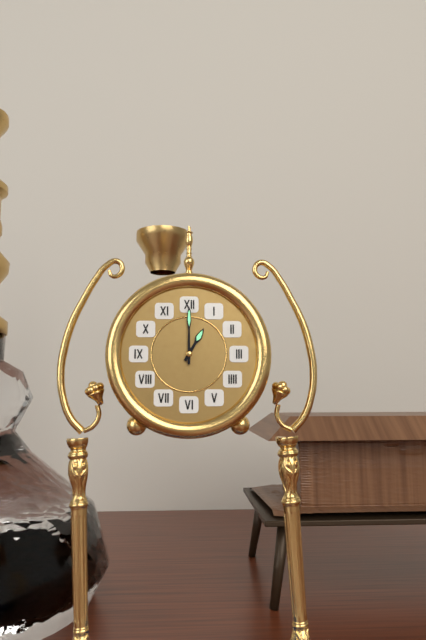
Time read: 1,00
